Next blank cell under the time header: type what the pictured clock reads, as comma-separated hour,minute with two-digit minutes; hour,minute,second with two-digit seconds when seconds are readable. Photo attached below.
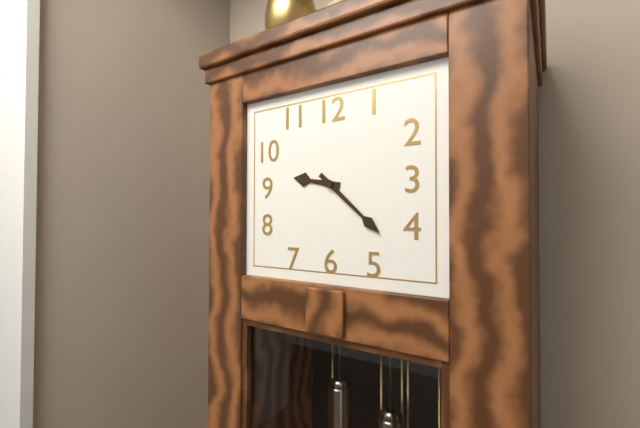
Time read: 9,22
